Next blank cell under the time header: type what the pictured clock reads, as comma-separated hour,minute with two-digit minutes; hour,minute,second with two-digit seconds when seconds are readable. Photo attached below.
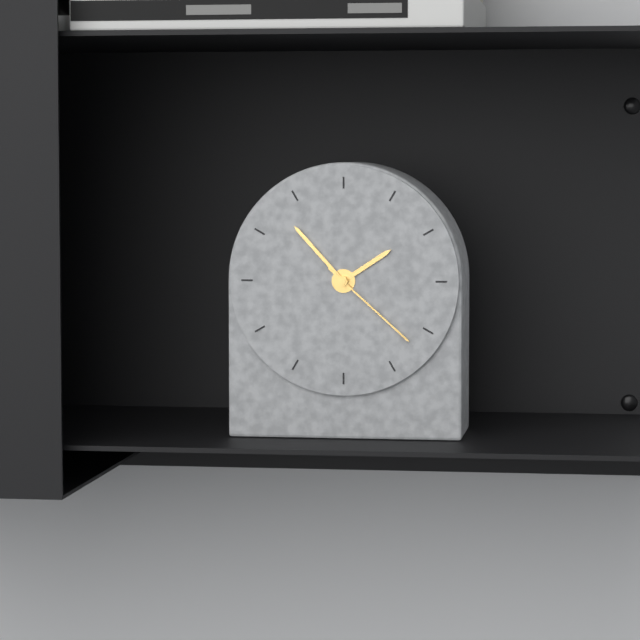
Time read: 1,53,22
